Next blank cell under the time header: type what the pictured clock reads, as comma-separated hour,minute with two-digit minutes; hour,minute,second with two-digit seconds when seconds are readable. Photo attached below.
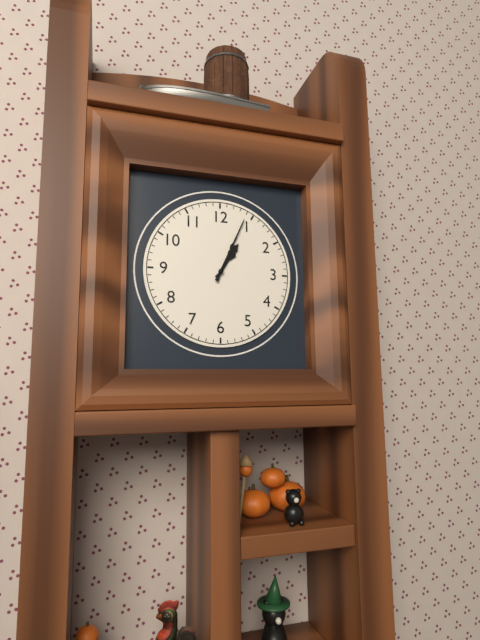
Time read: 1,04
